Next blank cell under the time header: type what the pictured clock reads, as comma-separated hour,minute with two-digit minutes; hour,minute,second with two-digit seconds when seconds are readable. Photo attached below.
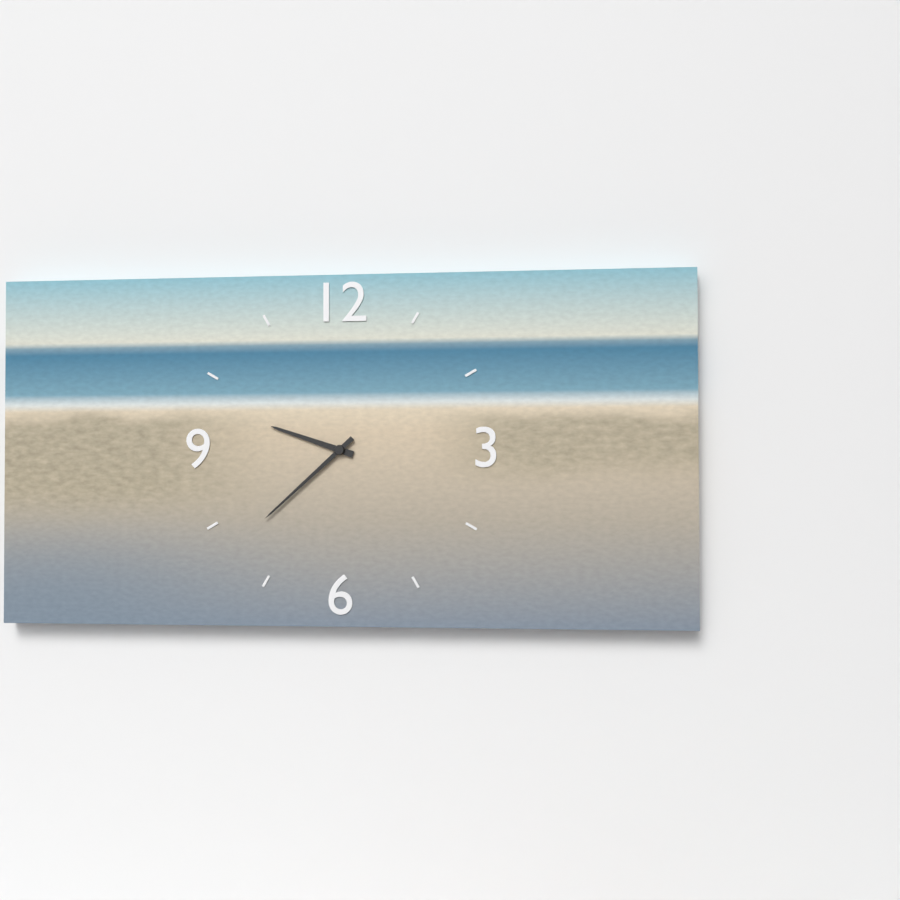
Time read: 9,38
